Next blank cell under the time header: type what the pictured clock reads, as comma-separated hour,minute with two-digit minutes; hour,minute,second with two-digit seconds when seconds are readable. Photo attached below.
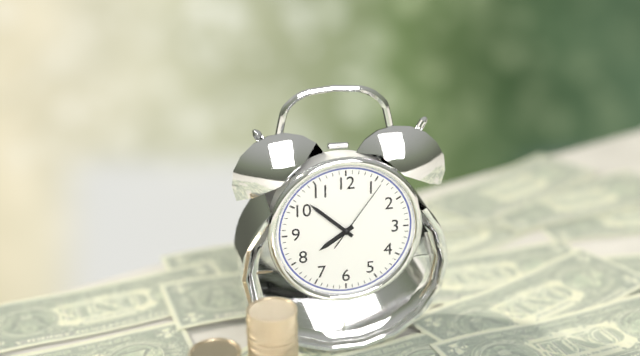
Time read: 7,52,06
